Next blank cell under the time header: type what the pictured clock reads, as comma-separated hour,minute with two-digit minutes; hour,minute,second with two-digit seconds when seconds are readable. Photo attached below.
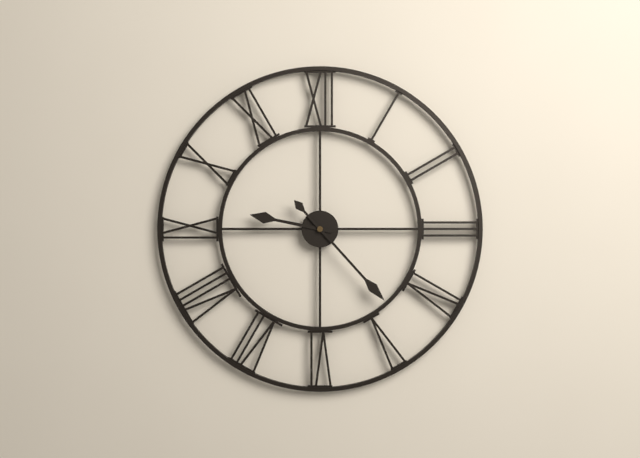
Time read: 9,23
